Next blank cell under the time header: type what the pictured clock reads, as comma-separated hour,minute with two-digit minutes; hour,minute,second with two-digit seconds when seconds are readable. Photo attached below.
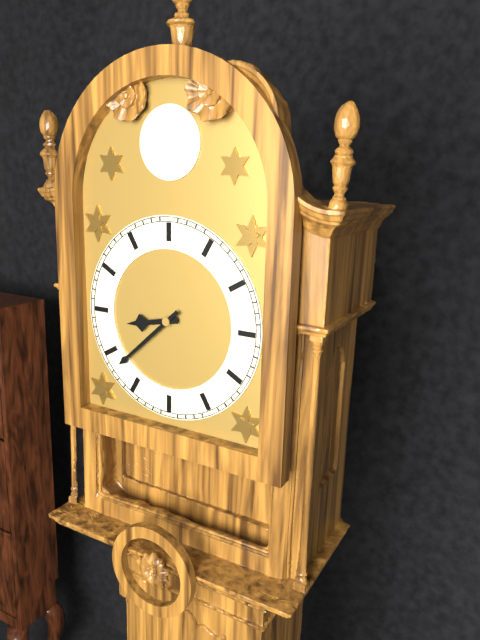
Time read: 8,38
